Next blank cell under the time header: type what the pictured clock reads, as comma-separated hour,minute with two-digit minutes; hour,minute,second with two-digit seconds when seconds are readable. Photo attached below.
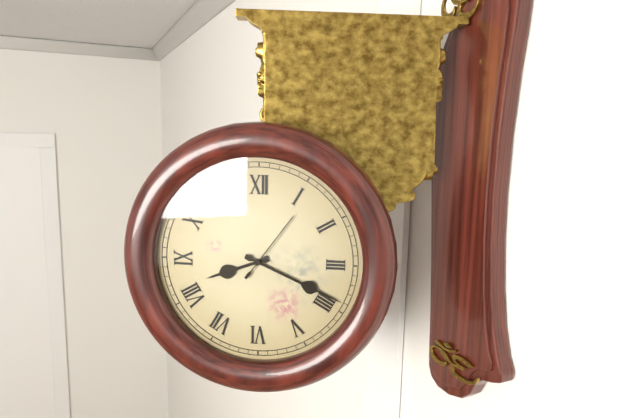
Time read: 8,19,06
